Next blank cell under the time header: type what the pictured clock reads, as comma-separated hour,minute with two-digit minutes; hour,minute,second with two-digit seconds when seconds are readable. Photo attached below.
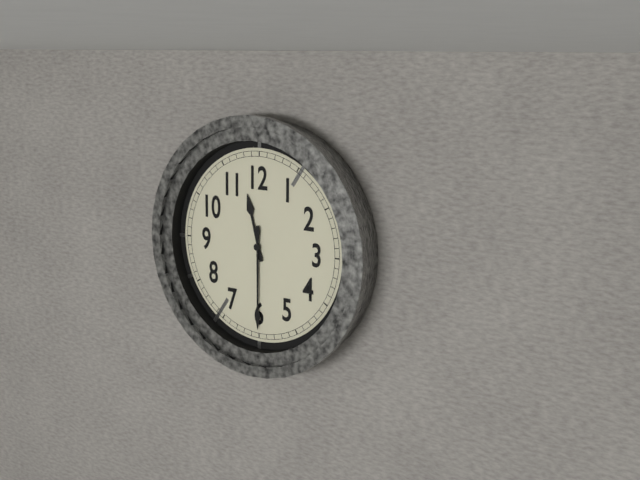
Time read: 11,30
